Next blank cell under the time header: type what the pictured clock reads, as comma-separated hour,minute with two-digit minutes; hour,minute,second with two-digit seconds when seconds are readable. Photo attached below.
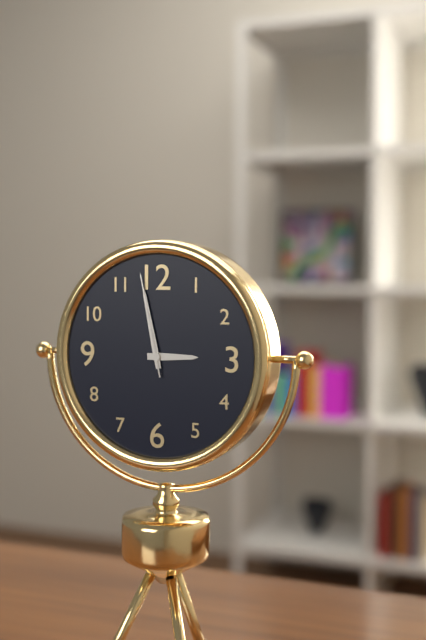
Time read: 2,58,58
